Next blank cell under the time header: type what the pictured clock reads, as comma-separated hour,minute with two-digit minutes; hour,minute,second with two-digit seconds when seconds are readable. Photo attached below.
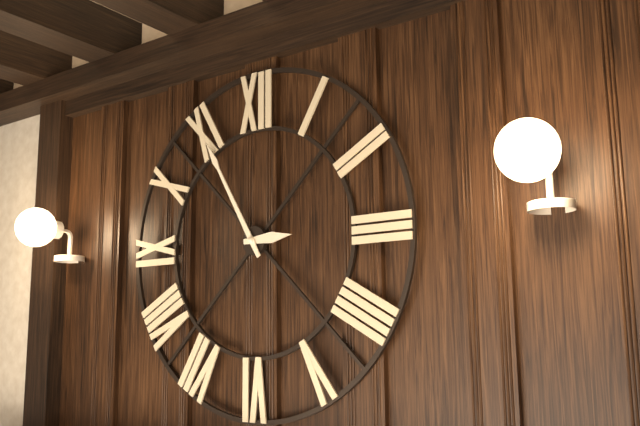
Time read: 2,55
